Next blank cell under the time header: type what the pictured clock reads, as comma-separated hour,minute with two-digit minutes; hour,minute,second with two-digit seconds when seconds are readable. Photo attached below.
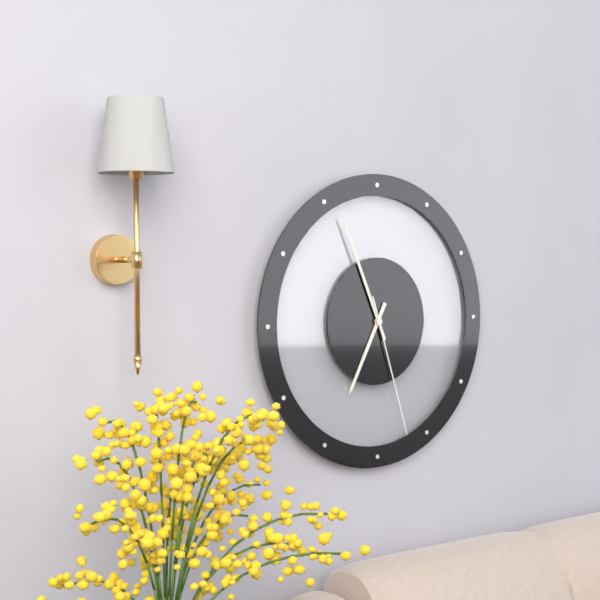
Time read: 6,56,27
